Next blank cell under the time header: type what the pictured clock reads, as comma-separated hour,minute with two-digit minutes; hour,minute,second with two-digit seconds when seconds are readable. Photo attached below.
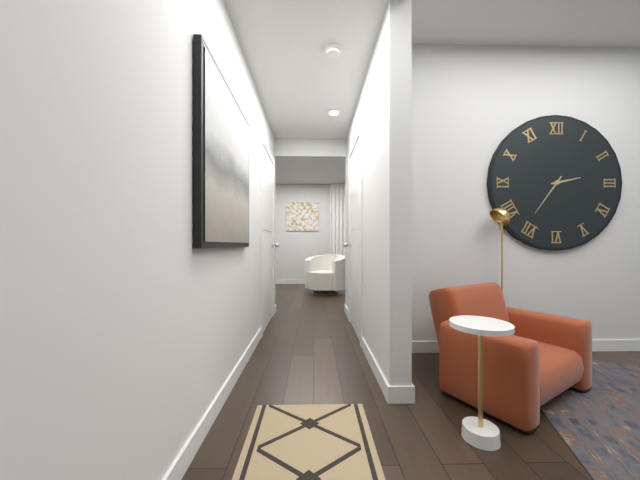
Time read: 2,36
